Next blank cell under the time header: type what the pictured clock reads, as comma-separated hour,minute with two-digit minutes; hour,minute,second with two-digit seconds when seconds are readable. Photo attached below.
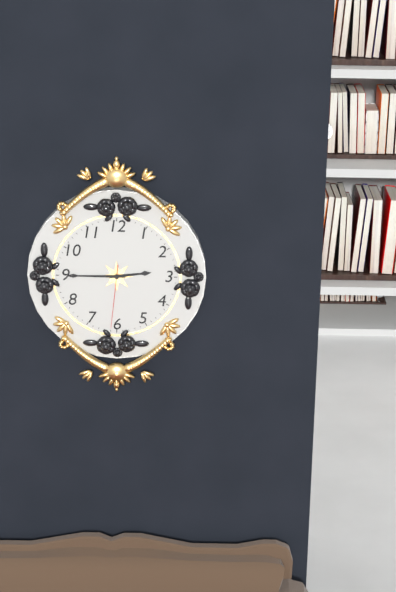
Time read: 2,45,31
